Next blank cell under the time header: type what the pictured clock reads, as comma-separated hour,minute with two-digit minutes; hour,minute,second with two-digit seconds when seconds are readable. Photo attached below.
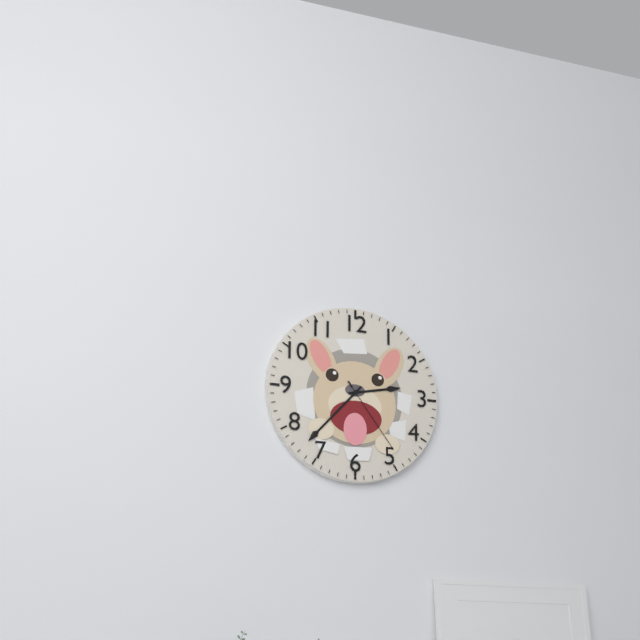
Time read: 2,37,24
